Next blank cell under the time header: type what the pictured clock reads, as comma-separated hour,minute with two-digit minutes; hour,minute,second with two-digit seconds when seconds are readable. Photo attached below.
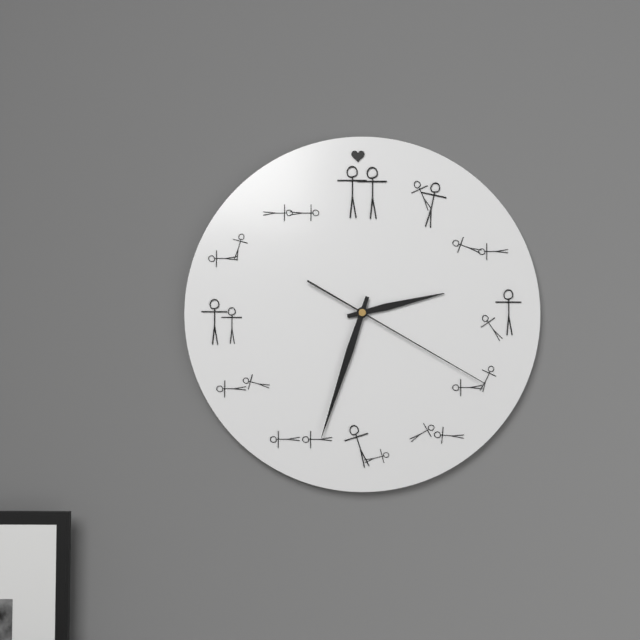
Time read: 2,33,20
